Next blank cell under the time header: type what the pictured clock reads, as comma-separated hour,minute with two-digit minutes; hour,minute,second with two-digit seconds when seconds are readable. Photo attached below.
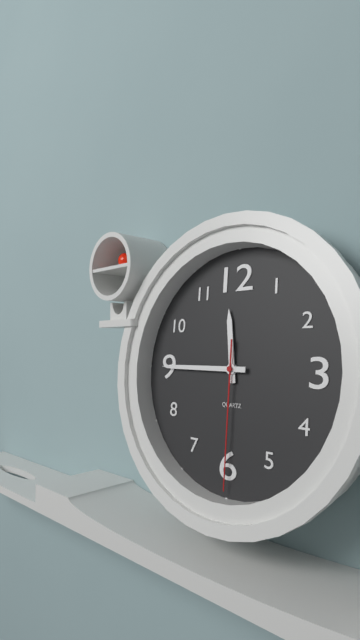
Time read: 11,45,30
